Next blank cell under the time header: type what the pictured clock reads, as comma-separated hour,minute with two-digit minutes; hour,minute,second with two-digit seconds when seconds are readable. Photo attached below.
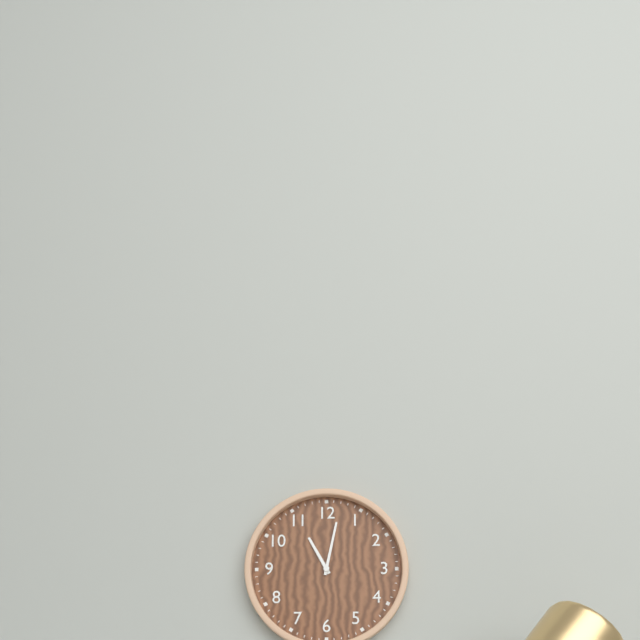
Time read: 11,02
